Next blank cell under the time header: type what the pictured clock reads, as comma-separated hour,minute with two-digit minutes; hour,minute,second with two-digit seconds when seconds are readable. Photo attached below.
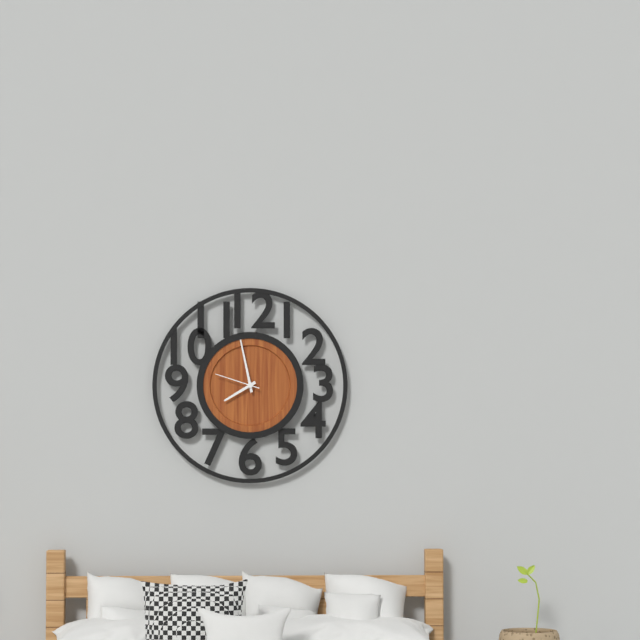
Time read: 7,58
